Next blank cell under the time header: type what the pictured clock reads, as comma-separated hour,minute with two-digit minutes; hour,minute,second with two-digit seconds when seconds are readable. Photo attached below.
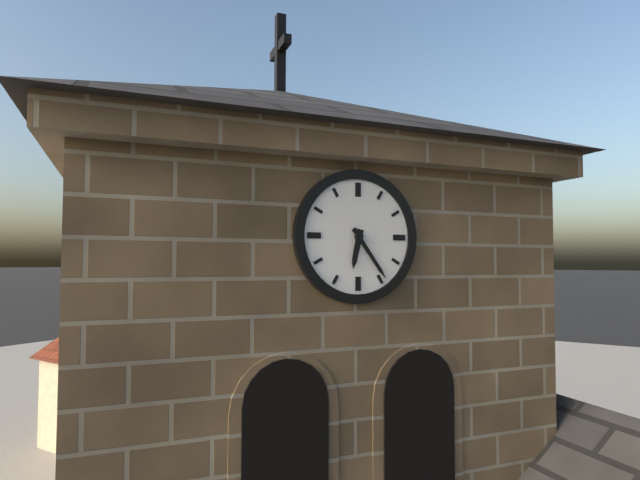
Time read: 6,24
